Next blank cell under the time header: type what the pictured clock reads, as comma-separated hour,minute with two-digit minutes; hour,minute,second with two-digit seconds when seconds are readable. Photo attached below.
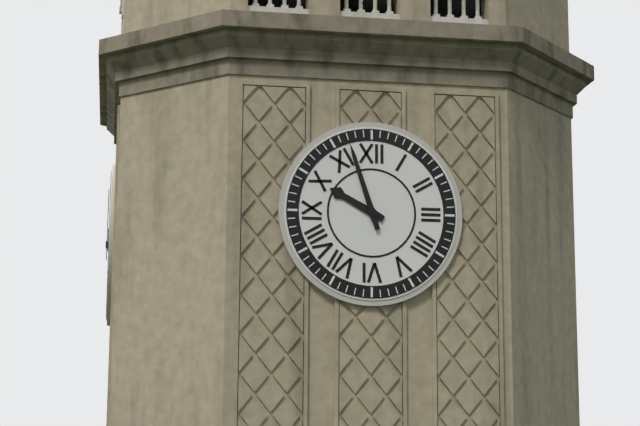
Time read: 9,57
